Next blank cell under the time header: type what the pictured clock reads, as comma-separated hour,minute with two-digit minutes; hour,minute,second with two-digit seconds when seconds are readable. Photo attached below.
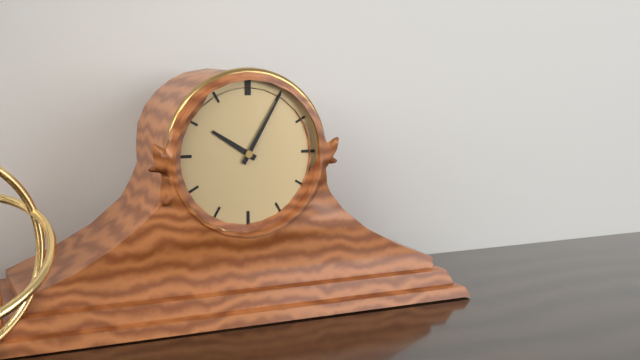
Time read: 10,05
